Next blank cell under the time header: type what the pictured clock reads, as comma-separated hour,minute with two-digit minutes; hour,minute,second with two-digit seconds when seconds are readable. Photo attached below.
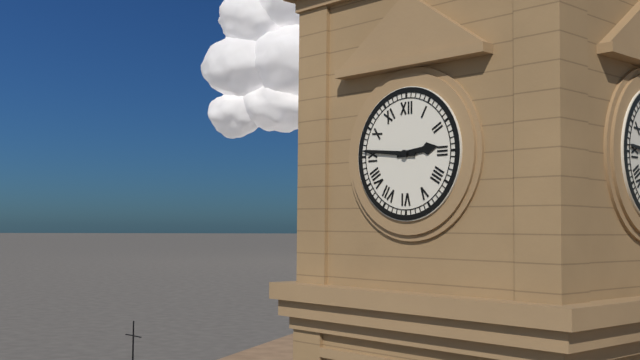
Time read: 2,46
